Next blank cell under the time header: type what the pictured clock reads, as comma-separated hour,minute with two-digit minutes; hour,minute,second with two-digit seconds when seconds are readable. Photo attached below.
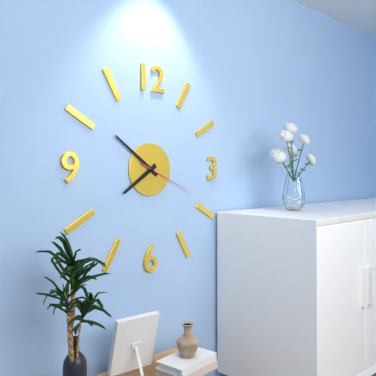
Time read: 7,51,19
